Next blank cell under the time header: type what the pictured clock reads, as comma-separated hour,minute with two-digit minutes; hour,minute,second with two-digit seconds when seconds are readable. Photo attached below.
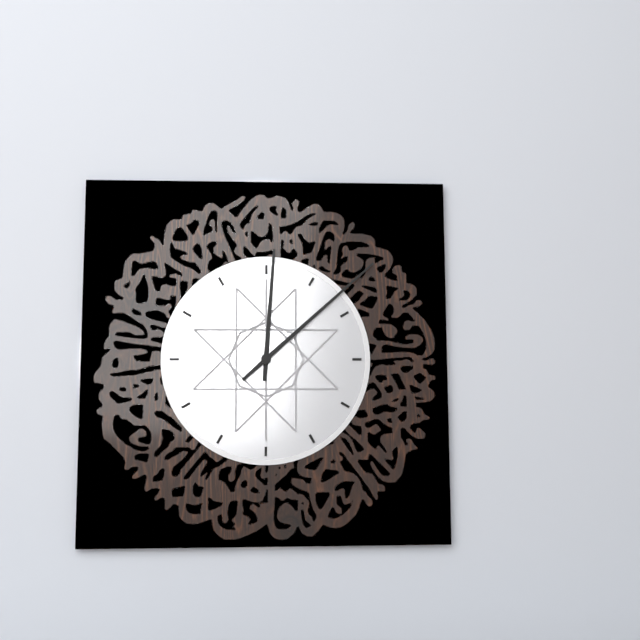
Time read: 12,08
